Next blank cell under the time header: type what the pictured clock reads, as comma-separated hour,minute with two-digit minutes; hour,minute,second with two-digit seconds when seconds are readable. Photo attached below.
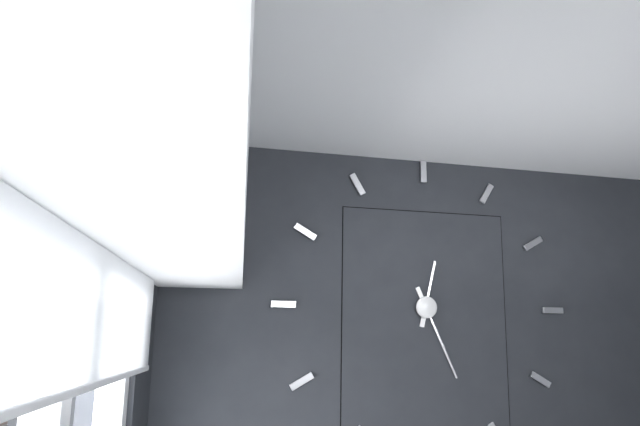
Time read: 12,26
